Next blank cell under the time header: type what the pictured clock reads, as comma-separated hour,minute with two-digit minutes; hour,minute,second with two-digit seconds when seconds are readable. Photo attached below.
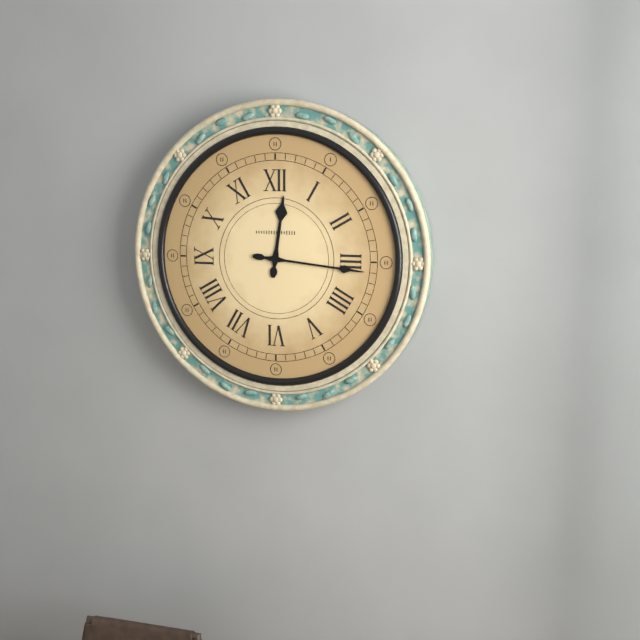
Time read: 12,16
